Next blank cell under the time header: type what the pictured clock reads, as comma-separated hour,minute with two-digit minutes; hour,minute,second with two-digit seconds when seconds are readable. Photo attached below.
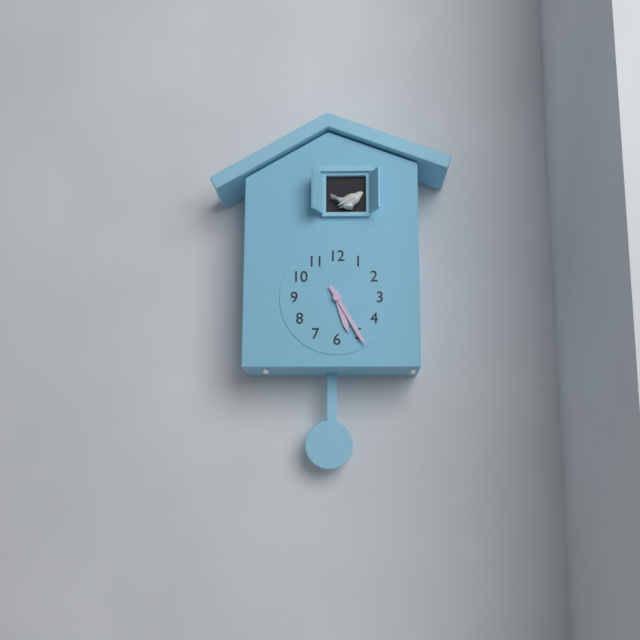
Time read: 5,25
